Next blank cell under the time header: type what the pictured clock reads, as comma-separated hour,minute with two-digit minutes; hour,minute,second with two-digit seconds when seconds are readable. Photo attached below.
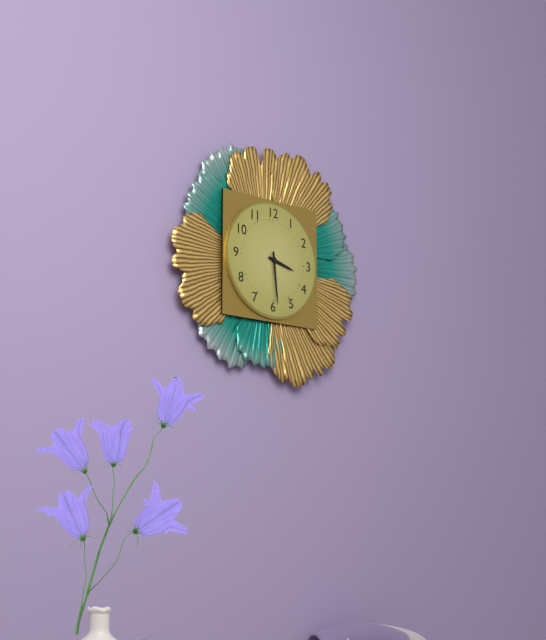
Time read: 3,29
